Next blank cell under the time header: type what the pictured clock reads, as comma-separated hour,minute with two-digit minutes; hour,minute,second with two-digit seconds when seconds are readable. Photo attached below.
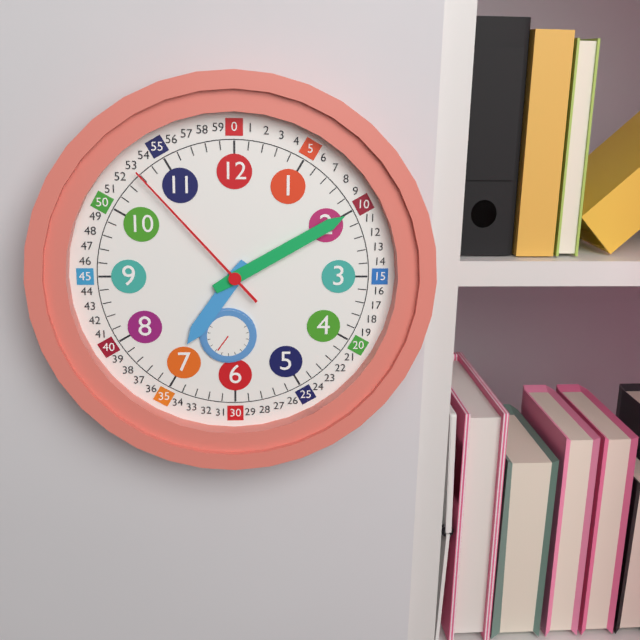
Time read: 7,10,53
